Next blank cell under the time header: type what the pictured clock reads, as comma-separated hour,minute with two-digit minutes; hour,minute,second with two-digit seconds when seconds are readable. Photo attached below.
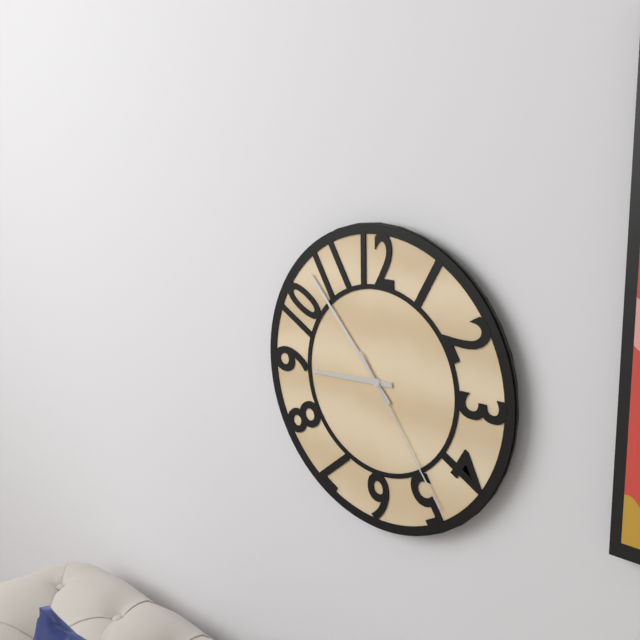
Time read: 8,53,24
